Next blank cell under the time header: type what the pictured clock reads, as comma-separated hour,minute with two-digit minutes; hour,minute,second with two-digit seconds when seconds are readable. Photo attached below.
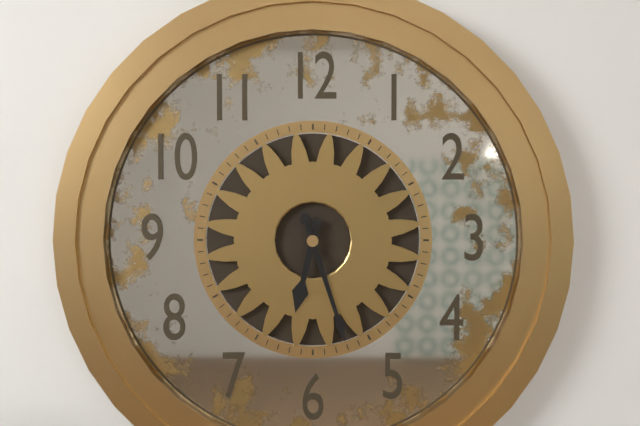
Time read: 6,27
